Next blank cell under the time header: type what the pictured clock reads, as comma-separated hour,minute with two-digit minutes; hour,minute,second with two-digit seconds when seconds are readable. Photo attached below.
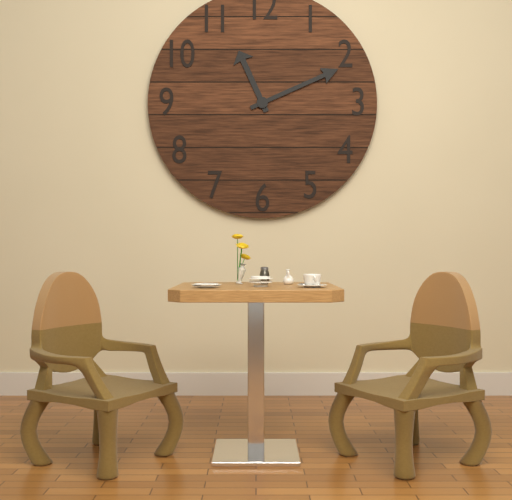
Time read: 11,11
